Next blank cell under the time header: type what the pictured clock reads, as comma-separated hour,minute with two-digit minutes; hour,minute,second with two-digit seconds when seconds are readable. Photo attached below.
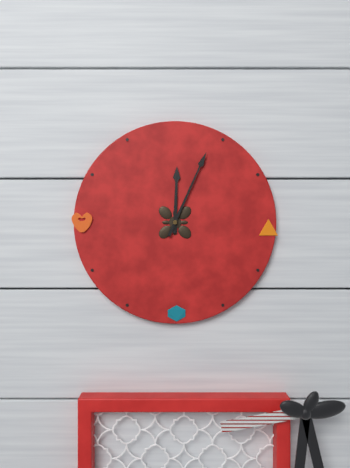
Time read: 12,04
